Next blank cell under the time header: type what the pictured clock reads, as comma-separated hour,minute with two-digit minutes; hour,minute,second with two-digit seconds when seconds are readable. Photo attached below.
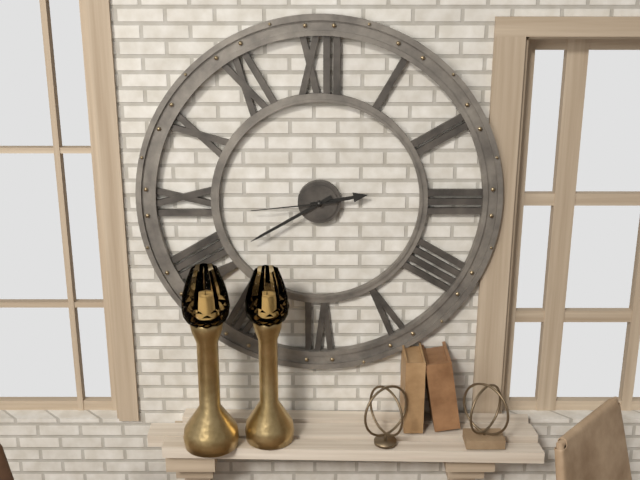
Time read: 2,40,44
